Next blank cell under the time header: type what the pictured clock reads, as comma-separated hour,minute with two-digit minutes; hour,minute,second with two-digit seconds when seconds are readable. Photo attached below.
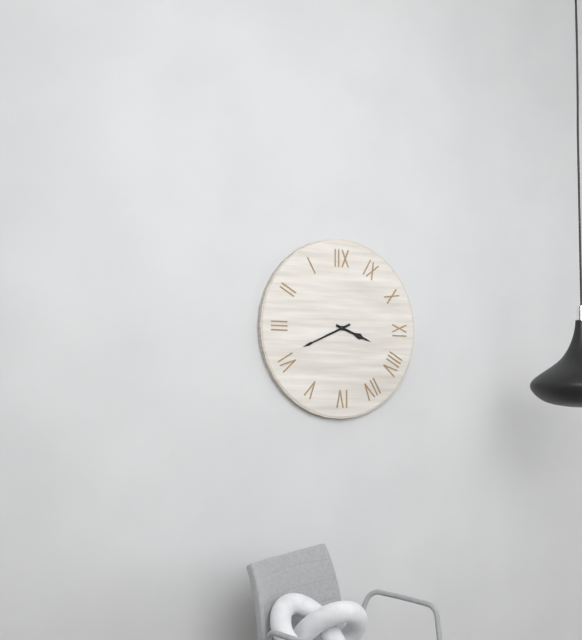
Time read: 3,41
